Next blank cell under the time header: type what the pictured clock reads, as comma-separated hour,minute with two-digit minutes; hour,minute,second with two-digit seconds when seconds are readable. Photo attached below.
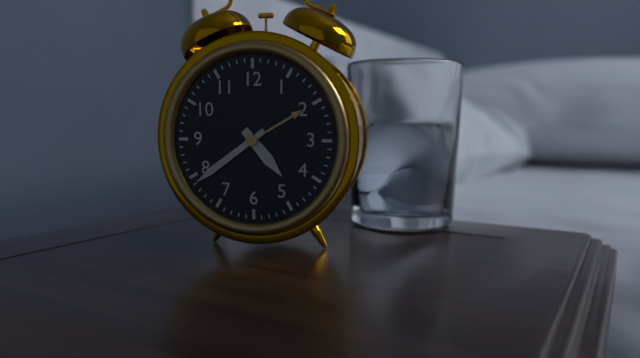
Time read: 4,39
